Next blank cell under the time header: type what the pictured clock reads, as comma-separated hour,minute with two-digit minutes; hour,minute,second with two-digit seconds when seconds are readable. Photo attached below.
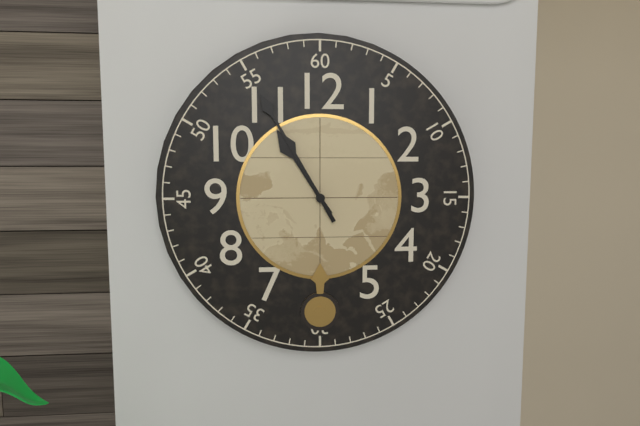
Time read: 10,55
